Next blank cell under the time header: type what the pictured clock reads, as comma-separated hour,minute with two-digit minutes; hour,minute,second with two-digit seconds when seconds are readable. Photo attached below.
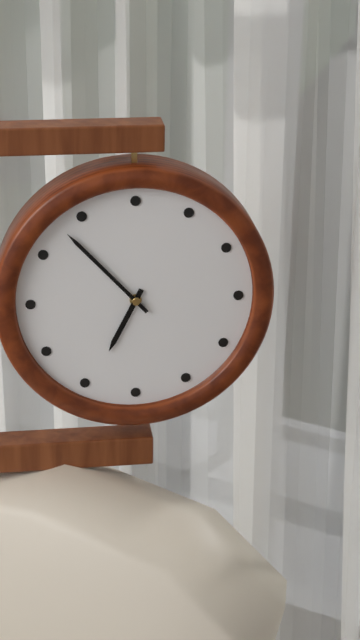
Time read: 6,53
